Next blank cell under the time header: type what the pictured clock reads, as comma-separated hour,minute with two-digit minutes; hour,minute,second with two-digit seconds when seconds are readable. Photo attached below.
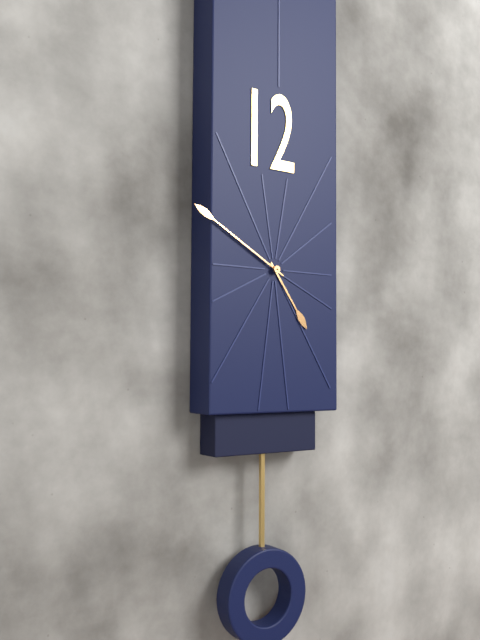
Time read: 4,50
